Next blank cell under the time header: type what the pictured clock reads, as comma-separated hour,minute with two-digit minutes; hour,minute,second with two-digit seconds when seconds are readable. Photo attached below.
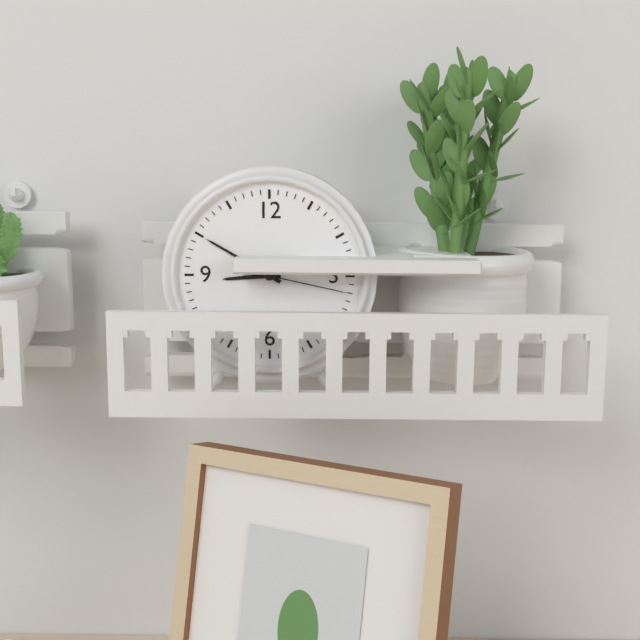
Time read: 8,50,17
